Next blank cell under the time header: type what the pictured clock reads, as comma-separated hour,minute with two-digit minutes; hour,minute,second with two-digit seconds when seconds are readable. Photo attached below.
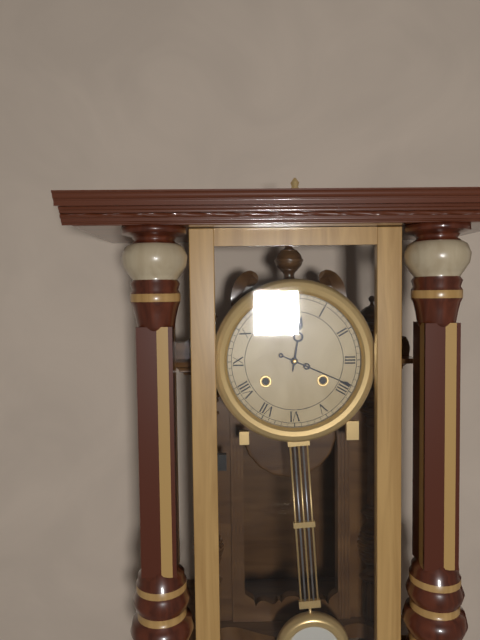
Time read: 12,19
